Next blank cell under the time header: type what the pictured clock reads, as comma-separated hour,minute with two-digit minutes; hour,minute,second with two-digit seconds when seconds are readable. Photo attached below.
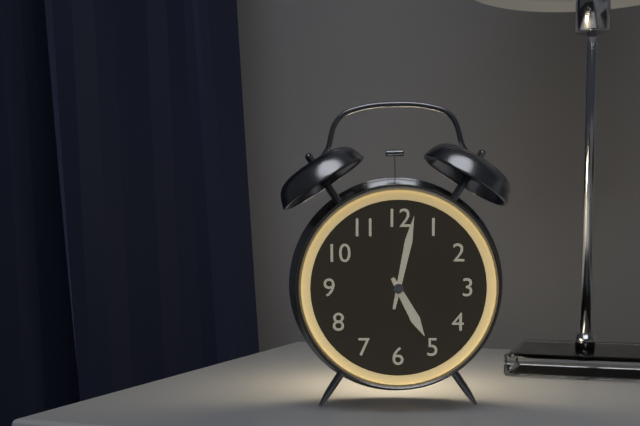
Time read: 5,02
